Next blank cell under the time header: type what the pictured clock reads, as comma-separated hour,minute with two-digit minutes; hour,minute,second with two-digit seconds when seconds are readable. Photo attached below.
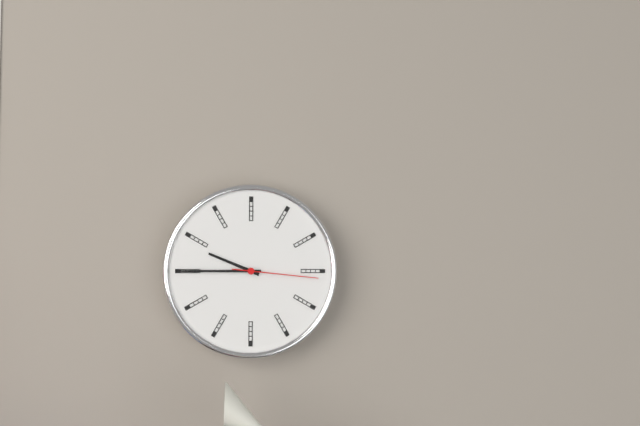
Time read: 9,45,16
